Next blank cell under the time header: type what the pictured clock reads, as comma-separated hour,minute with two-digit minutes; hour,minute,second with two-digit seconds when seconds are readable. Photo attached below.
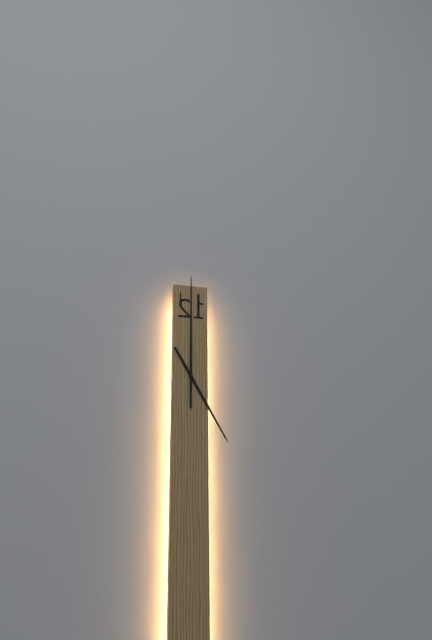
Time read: 5,00
